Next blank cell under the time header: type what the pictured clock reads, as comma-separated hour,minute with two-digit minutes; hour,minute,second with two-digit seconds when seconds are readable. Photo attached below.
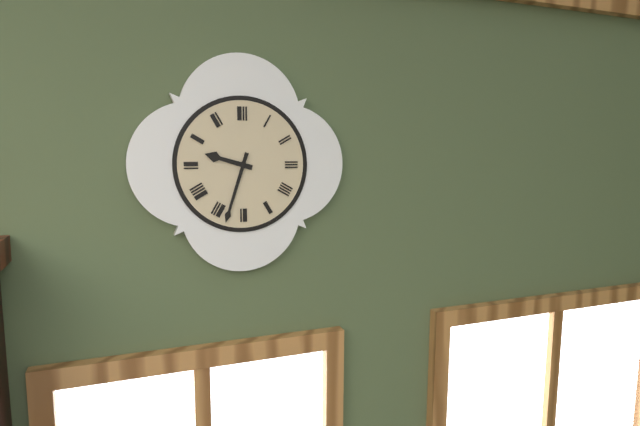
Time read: 9,33
